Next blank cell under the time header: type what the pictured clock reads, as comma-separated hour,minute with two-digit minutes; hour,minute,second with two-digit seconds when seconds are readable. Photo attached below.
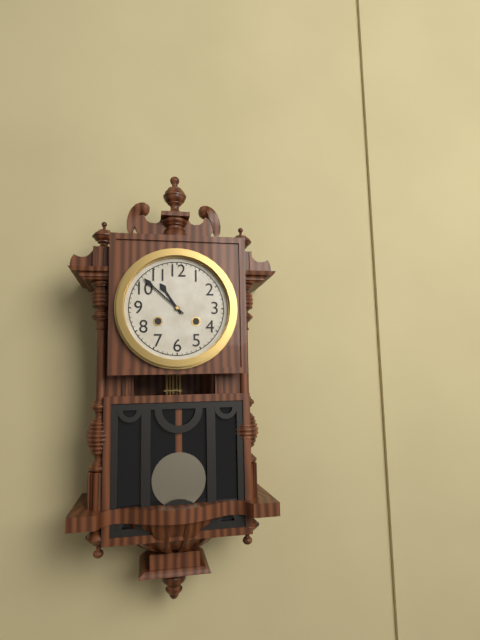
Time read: 10,52
